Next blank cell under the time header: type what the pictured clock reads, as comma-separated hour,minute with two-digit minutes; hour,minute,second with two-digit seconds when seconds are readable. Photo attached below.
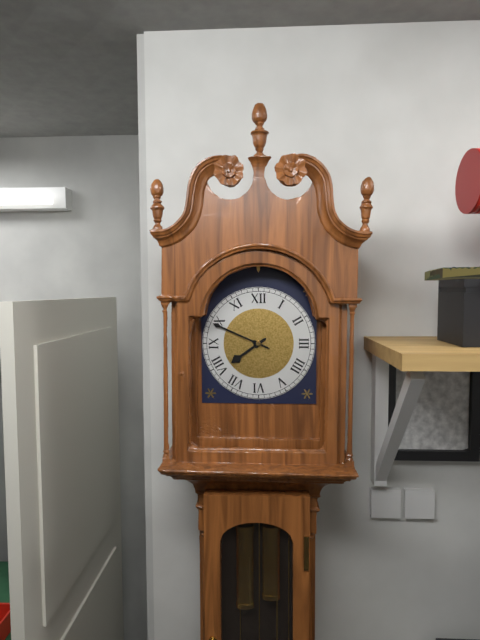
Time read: 7,49
